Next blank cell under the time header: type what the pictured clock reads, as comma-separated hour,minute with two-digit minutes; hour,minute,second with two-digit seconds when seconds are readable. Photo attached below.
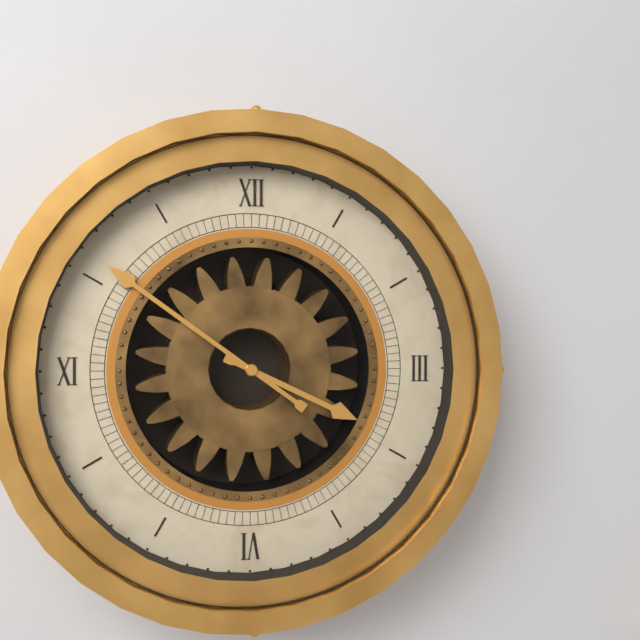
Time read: 3,51
